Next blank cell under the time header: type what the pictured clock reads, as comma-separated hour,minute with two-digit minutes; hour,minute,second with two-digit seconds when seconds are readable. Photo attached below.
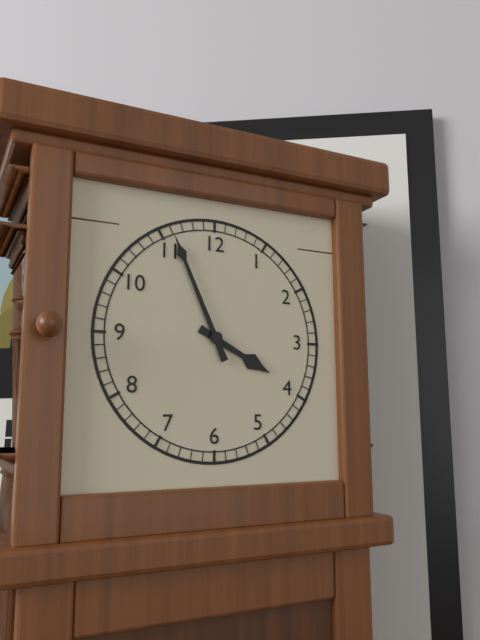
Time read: 3,56
